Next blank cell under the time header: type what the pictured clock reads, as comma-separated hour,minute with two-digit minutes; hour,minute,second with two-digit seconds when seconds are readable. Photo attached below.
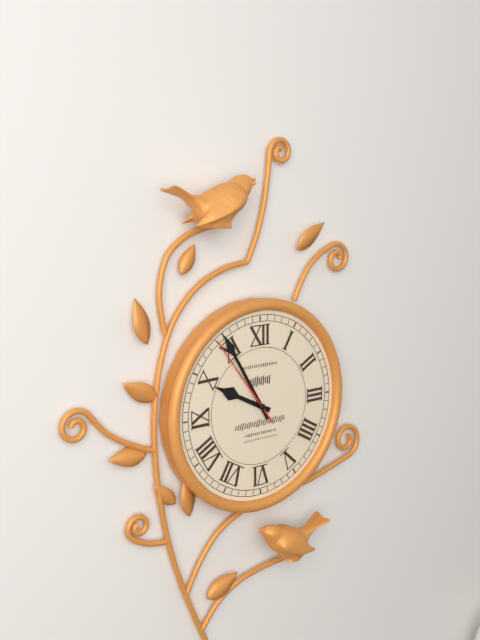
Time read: 9,55,54
